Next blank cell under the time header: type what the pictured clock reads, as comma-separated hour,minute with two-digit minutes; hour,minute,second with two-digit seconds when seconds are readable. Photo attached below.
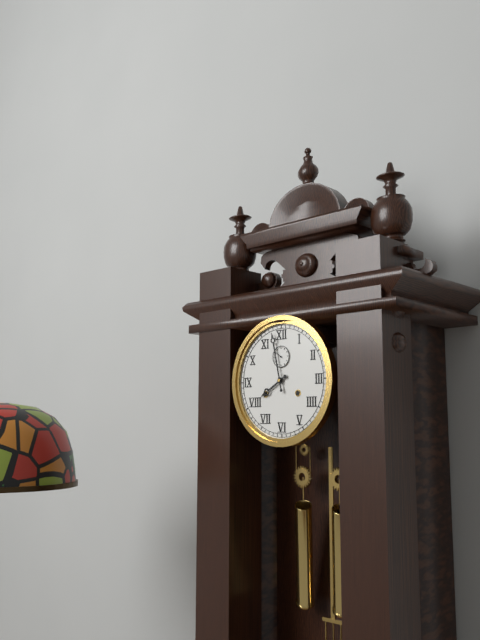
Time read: 7,58
